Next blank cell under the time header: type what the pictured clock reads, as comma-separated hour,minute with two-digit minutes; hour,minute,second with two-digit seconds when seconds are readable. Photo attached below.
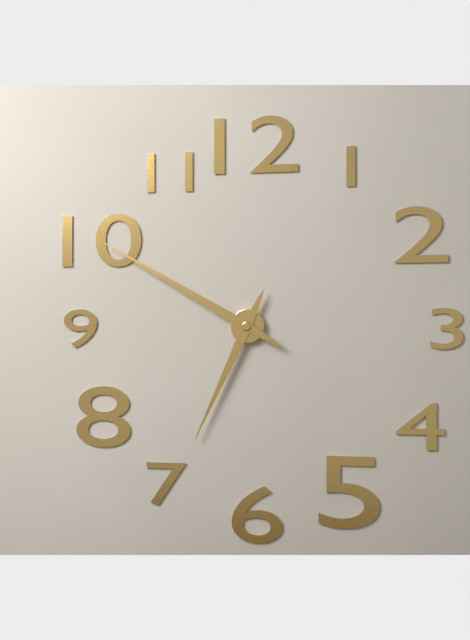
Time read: 6,50
